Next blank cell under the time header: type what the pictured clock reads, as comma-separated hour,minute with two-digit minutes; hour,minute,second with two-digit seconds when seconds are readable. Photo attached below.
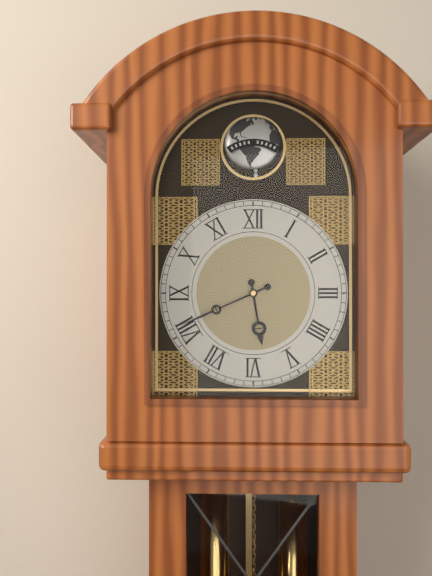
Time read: 5,41
